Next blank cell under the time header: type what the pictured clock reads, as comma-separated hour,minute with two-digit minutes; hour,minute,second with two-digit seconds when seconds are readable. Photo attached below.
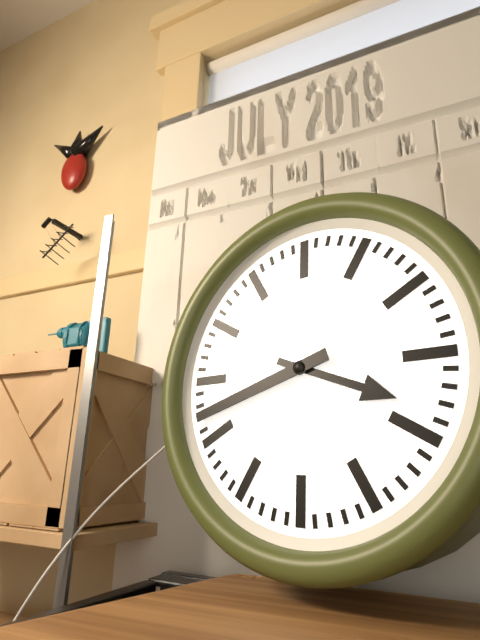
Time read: 3,42
